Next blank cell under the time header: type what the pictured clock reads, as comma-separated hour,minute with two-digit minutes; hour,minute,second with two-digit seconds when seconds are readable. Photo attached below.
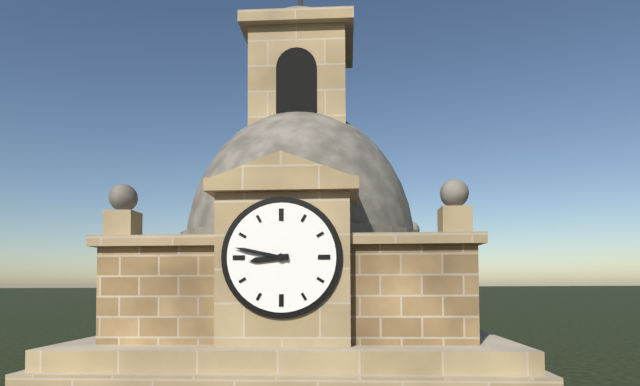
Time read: 8,47
